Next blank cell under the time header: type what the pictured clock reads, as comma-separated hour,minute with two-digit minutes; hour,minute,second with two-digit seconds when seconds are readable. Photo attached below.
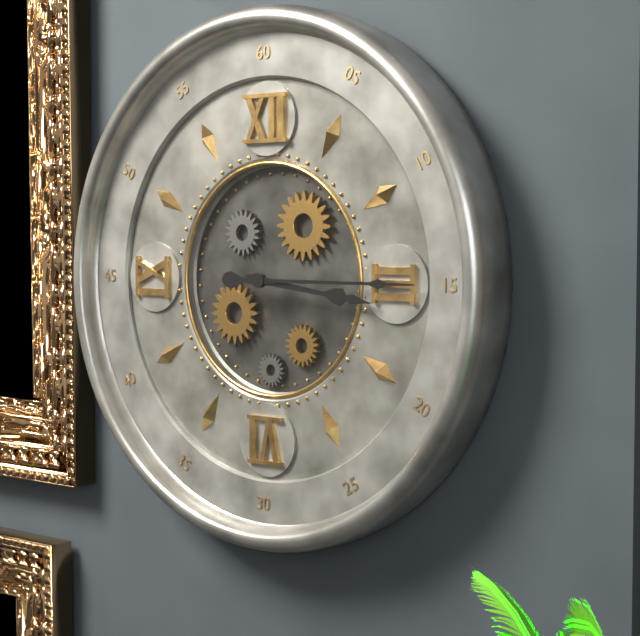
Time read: 3,15
